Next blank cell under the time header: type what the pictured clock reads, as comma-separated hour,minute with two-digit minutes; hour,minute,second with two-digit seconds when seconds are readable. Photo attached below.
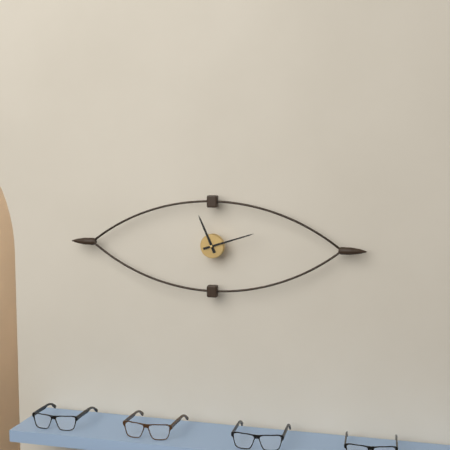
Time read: 11,12
